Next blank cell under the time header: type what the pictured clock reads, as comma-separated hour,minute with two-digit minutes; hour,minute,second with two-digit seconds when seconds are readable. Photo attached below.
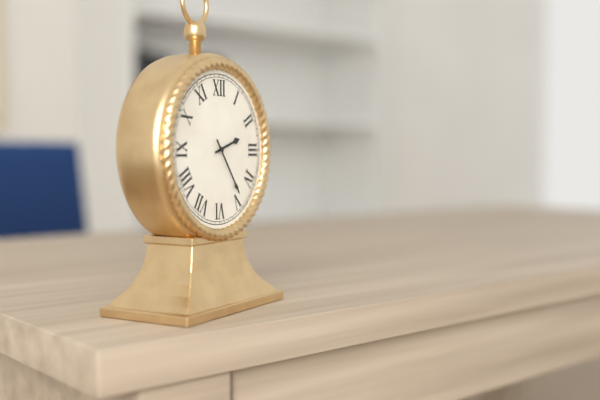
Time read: 2,24
